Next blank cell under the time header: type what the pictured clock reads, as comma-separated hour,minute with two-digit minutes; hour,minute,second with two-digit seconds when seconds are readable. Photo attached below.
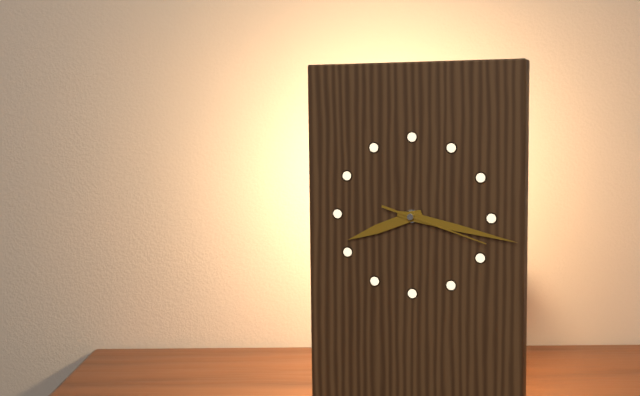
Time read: 8,17,18
